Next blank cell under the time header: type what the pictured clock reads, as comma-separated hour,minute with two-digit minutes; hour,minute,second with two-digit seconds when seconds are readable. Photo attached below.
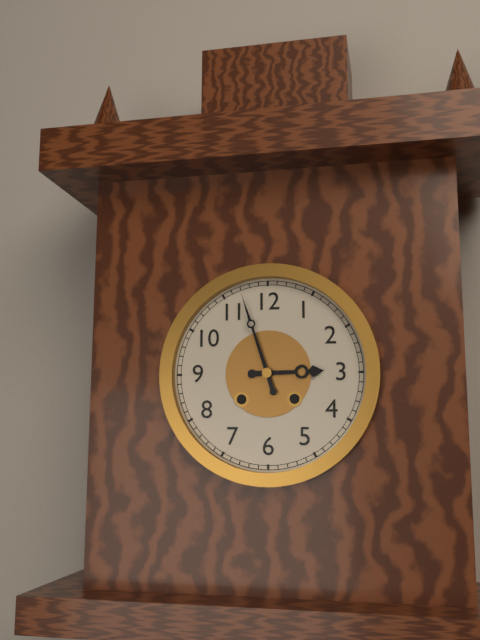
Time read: 2,57
